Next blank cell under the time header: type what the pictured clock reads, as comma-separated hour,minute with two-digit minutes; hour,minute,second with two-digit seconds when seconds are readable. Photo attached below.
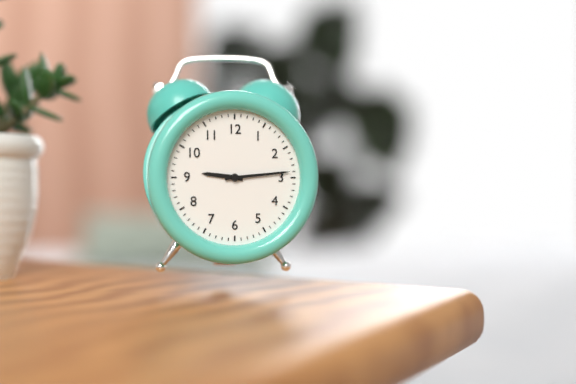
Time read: 9,14
